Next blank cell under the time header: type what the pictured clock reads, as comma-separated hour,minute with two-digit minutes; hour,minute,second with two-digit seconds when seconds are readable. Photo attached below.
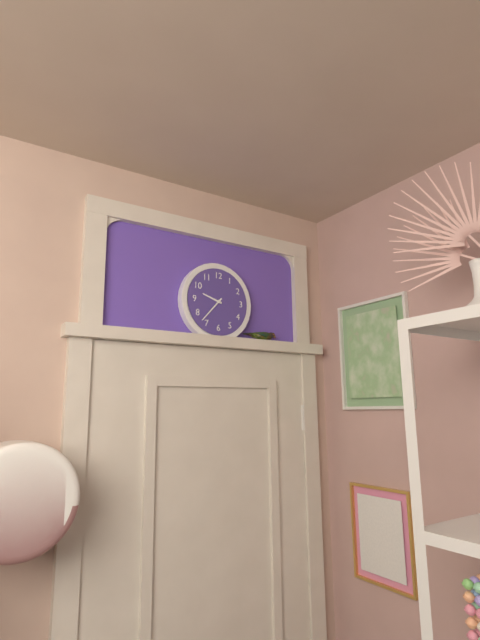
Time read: 9,37
